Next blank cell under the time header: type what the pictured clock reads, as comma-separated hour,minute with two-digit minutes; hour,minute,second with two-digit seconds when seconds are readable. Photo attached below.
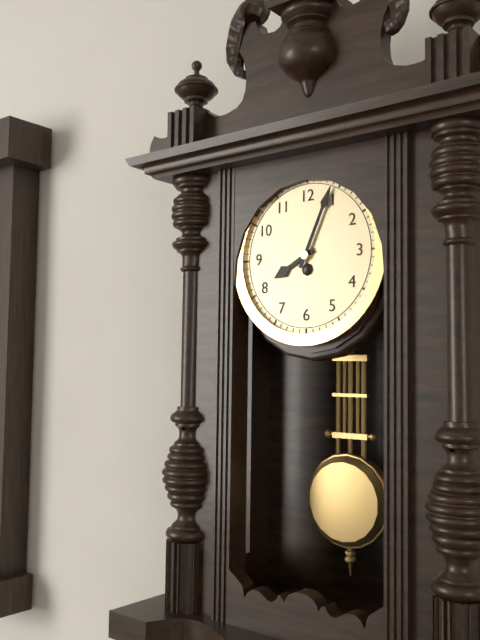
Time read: 8,04
